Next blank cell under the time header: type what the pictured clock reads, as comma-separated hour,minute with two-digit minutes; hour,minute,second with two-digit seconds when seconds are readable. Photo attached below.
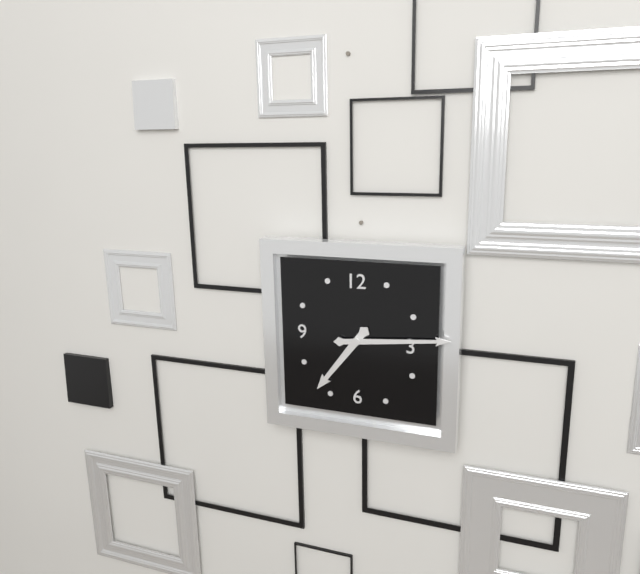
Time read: 7,14
